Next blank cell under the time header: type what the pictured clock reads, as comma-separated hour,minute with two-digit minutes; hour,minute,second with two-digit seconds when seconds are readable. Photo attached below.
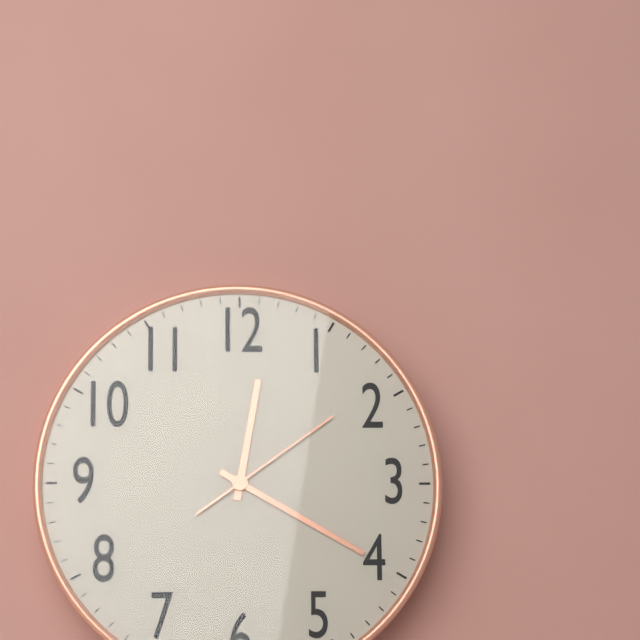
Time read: 12,20,09
